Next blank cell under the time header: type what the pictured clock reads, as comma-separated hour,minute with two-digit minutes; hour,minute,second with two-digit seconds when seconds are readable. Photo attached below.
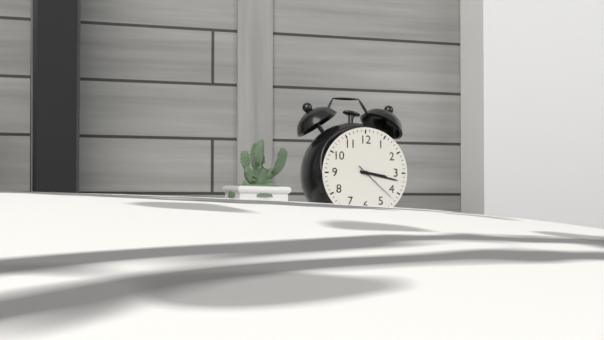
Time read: 3,17
